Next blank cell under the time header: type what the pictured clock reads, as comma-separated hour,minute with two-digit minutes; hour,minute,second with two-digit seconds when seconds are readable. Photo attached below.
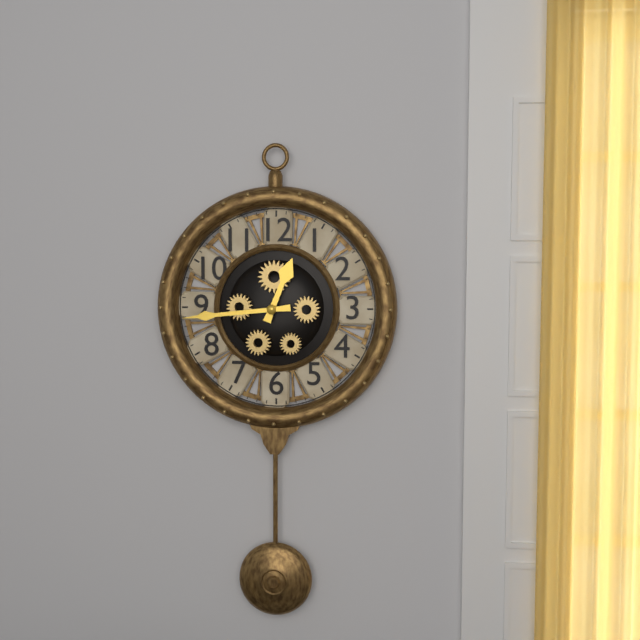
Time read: 12,44
